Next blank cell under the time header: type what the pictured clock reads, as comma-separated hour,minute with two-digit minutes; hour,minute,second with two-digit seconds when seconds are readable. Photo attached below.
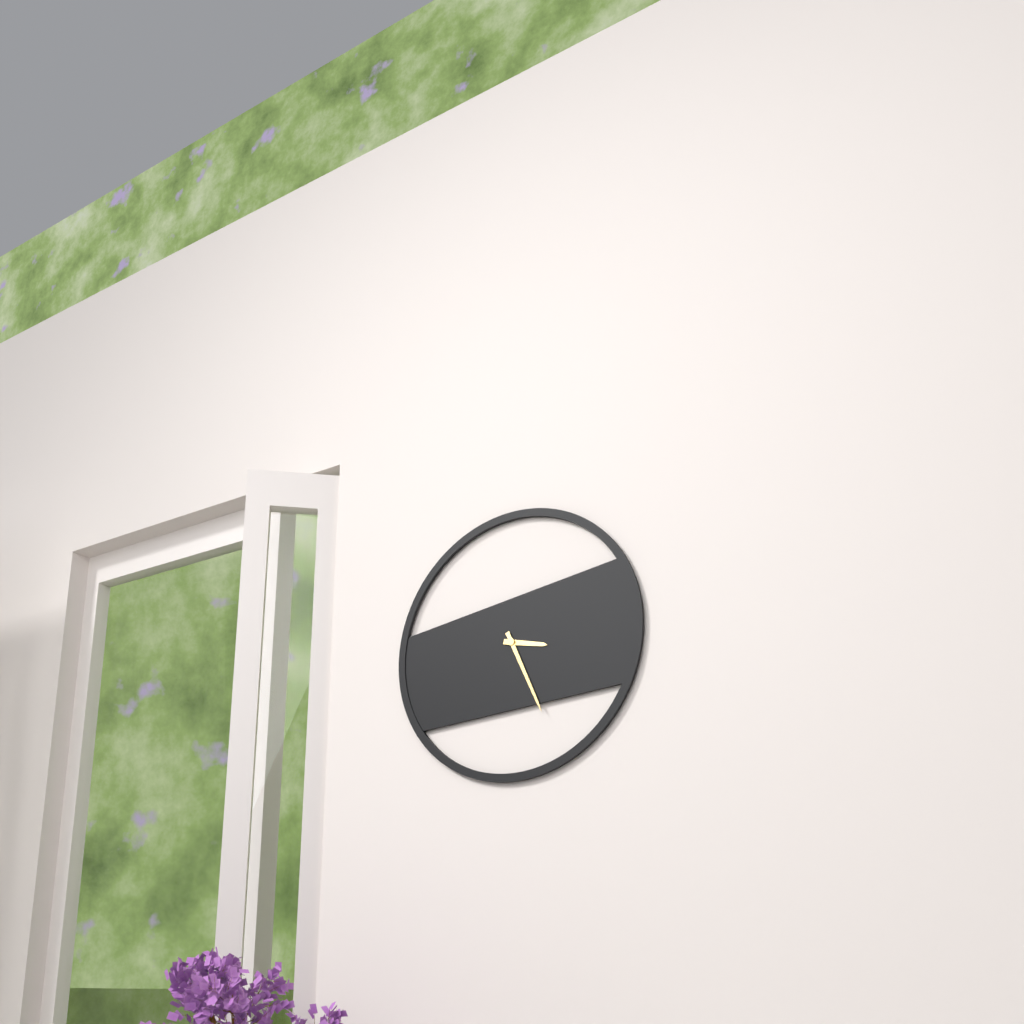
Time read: 3,26
